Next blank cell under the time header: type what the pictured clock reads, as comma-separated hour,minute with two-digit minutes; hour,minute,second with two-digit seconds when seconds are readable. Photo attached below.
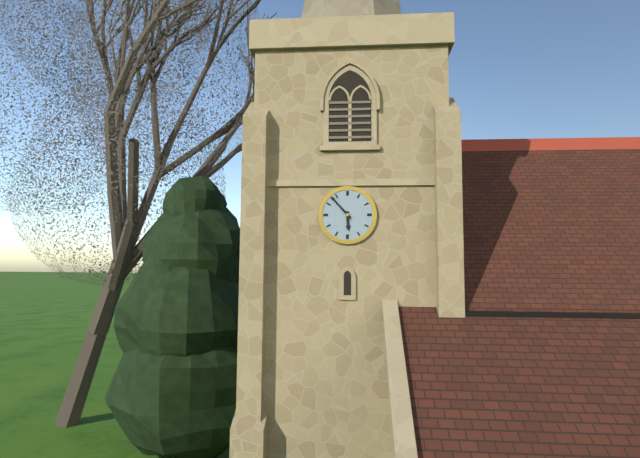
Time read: 5,53
